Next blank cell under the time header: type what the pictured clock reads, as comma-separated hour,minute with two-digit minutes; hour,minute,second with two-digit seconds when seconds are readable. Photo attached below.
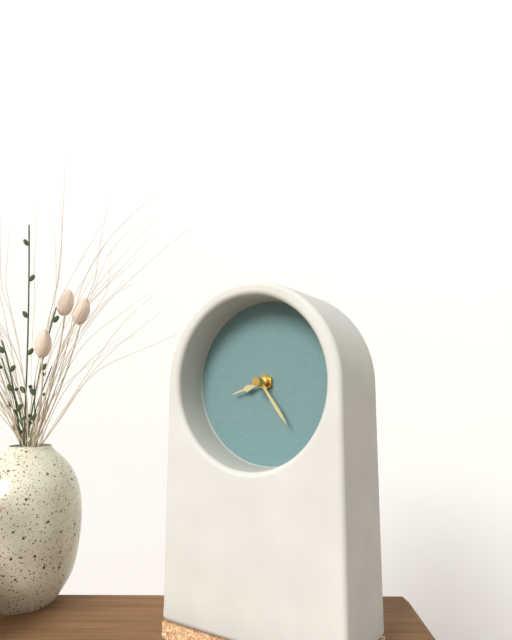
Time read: 8,24
